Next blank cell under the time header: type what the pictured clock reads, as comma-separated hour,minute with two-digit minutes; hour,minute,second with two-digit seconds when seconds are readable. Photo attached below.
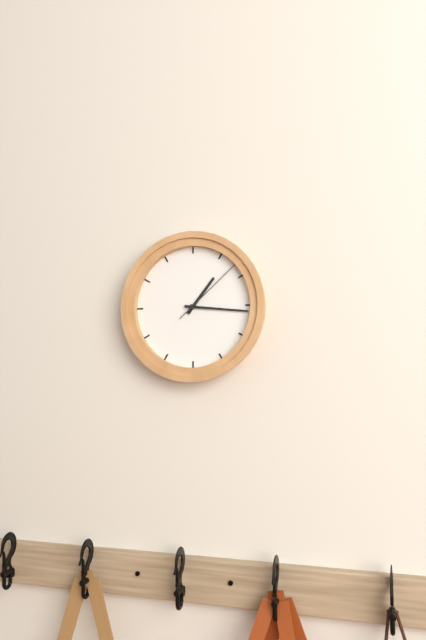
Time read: 1,16,08
